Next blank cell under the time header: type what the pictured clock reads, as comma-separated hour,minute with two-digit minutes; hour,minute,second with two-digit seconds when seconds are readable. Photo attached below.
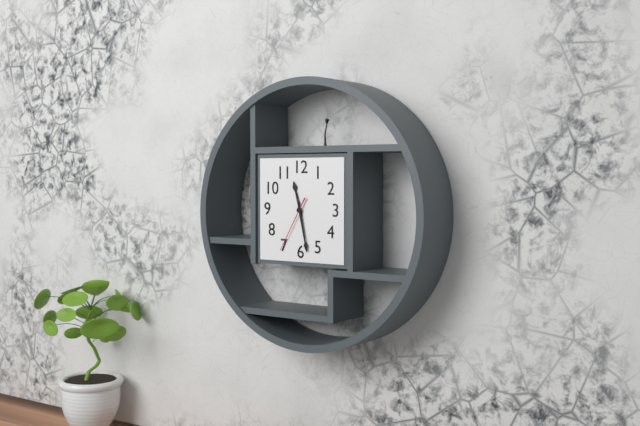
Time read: 11,28,35
